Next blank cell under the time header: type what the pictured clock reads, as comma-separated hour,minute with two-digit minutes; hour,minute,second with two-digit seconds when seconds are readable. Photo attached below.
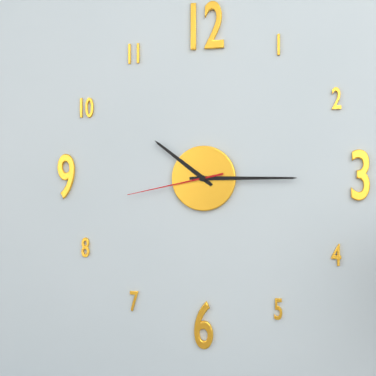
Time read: 10,15,43
